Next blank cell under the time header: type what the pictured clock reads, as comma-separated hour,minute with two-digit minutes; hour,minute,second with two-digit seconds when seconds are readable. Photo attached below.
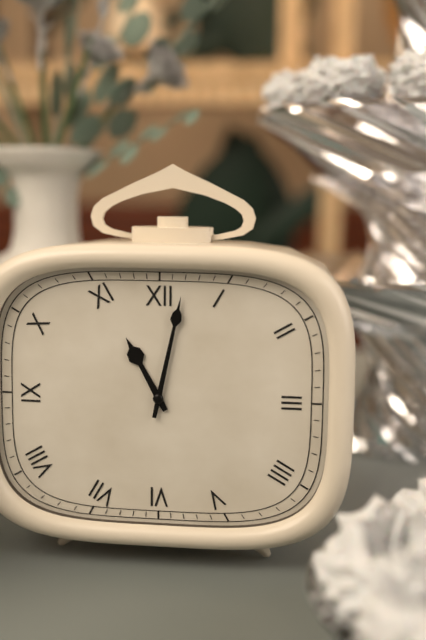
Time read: 11,02
